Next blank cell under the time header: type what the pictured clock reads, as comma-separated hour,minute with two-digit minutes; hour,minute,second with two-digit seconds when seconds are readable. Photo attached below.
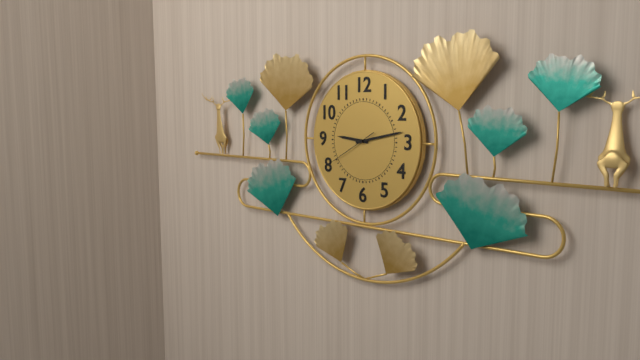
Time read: 9,13
